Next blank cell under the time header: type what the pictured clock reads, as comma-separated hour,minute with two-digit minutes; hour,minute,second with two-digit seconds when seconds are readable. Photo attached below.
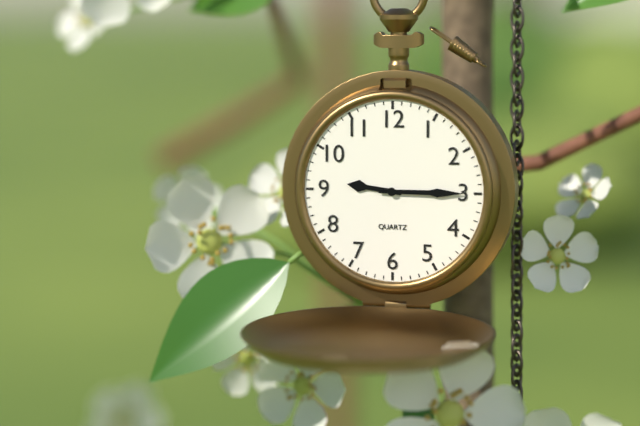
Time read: 9,15
